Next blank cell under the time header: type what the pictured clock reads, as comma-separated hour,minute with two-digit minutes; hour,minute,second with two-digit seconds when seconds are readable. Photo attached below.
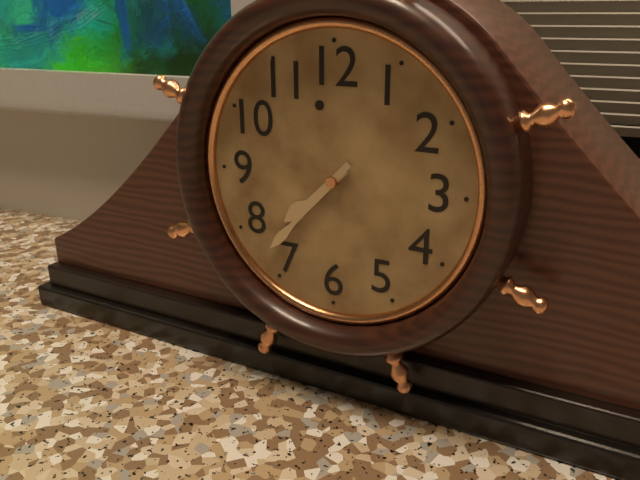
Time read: 7,37
